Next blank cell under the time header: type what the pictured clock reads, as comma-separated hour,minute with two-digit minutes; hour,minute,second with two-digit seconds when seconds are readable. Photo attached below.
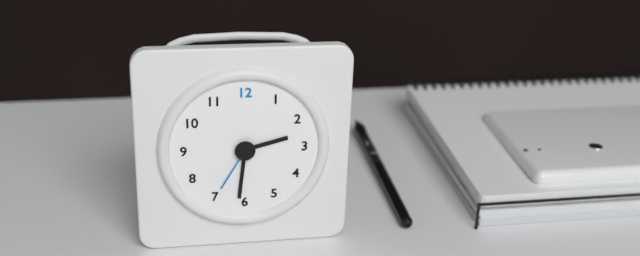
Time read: 2,31,35
